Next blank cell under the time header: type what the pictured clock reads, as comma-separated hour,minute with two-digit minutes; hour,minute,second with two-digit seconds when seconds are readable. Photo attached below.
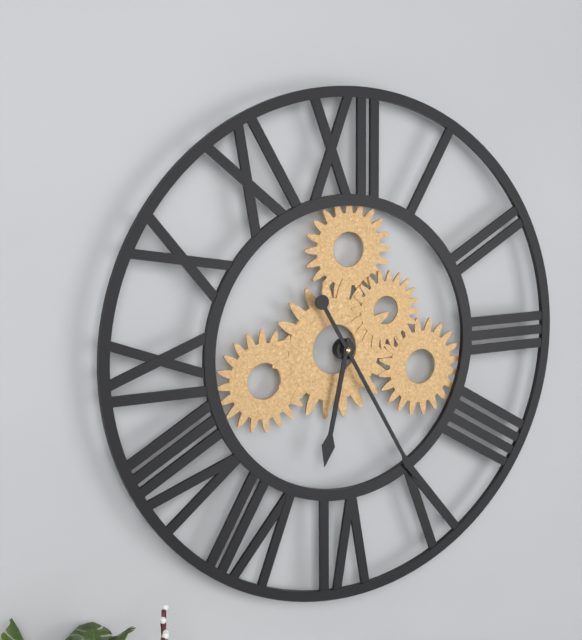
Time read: 6,25
